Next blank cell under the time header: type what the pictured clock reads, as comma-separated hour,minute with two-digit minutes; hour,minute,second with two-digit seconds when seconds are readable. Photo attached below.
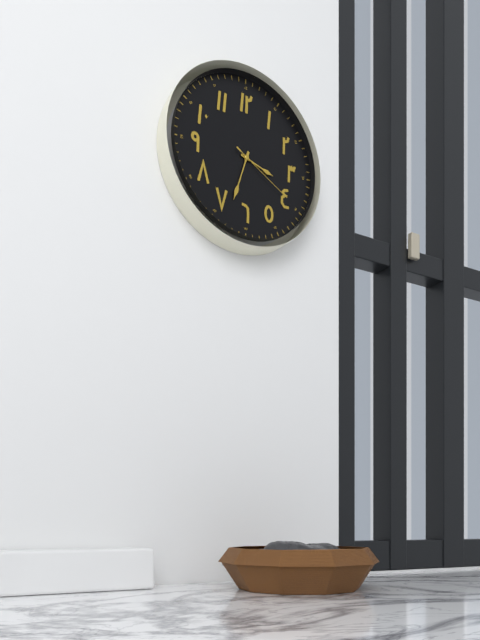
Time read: 3,33,20
